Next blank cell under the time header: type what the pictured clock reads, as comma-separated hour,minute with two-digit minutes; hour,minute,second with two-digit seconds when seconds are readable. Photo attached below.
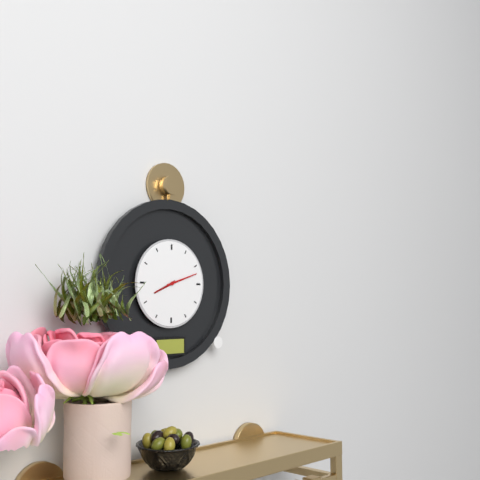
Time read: 8,12
